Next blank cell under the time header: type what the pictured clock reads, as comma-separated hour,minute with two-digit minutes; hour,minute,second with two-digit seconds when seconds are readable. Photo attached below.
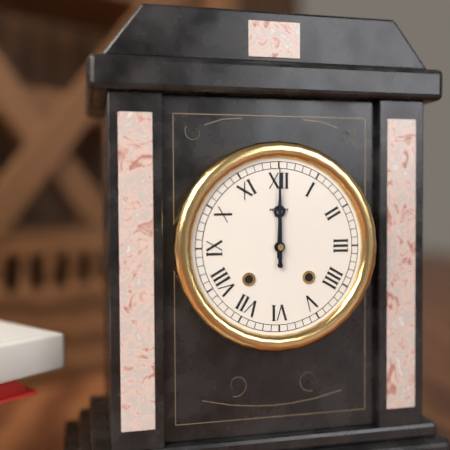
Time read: 12,00
